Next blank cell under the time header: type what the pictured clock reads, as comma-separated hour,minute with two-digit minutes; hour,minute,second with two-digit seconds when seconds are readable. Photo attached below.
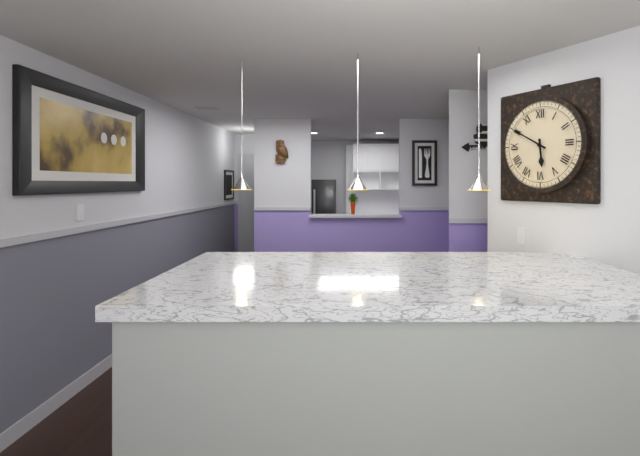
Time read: 5,50
